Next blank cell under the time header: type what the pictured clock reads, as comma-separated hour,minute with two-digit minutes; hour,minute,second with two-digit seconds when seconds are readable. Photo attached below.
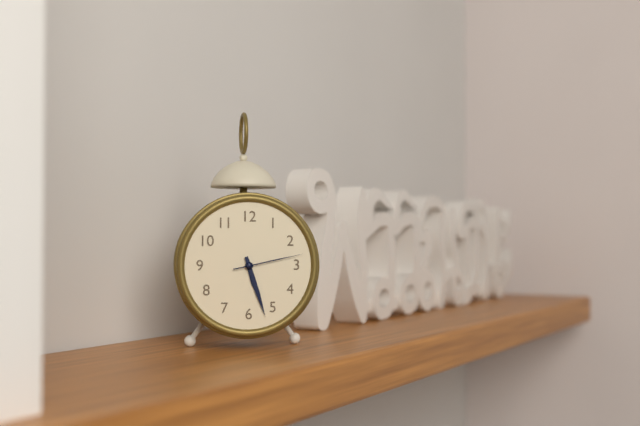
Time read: 5,27,13
